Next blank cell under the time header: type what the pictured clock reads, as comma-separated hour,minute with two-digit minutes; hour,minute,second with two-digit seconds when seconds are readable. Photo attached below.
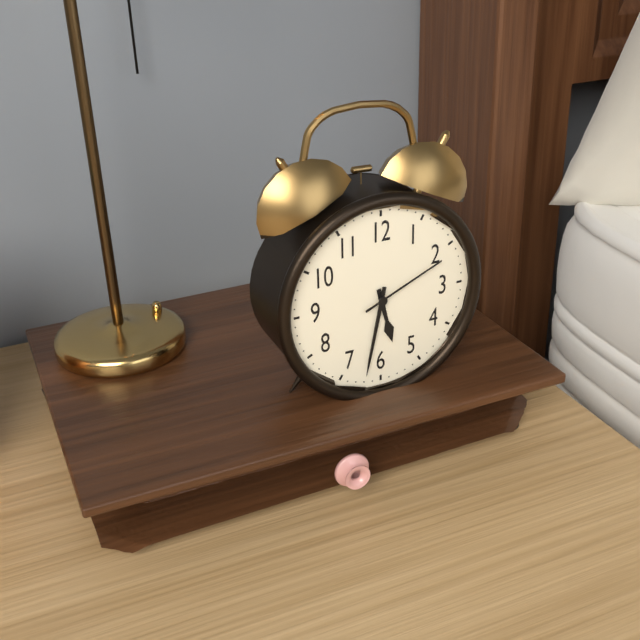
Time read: 5,32,11
